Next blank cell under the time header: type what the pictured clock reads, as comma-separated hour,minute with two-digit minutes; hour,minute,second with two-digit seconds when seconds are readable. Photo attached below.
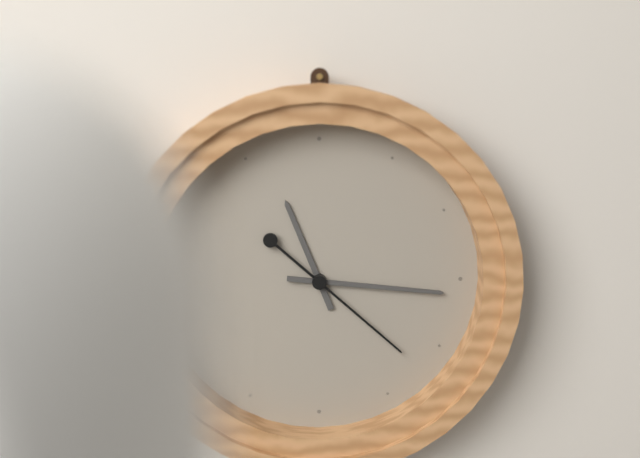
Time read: 11,16,22
